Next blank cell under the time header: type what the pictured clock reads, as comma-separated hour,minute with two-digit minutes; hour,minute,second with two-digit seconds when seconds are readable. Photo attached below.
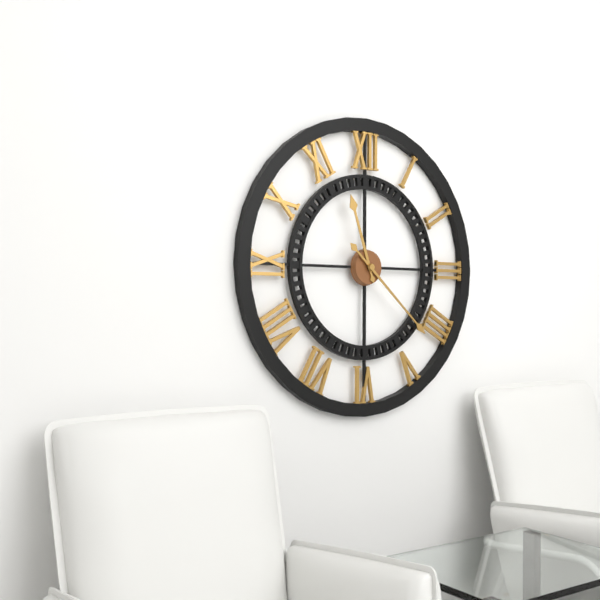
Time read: 11,22
